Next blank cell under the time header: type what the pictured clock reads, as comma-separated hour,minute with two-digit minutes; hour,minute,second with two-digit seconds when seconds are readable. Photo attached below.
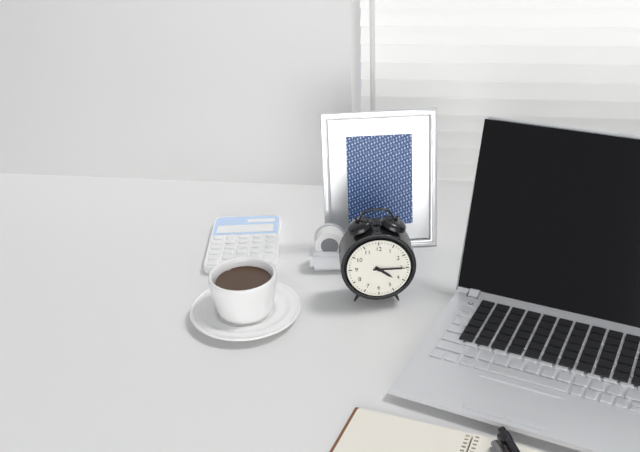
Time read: 4,15
